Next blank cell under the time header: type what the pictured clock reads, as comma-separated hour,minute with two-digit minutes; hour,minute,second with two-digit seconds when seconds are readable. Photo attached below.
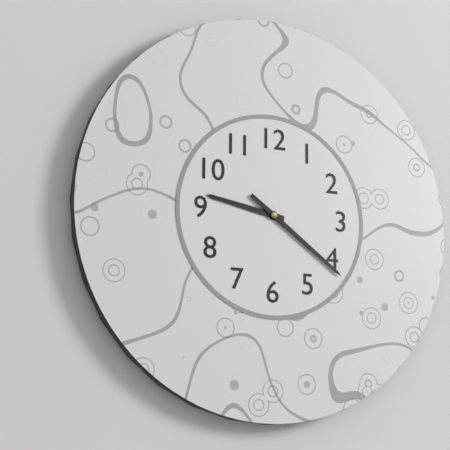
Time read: 9,21
